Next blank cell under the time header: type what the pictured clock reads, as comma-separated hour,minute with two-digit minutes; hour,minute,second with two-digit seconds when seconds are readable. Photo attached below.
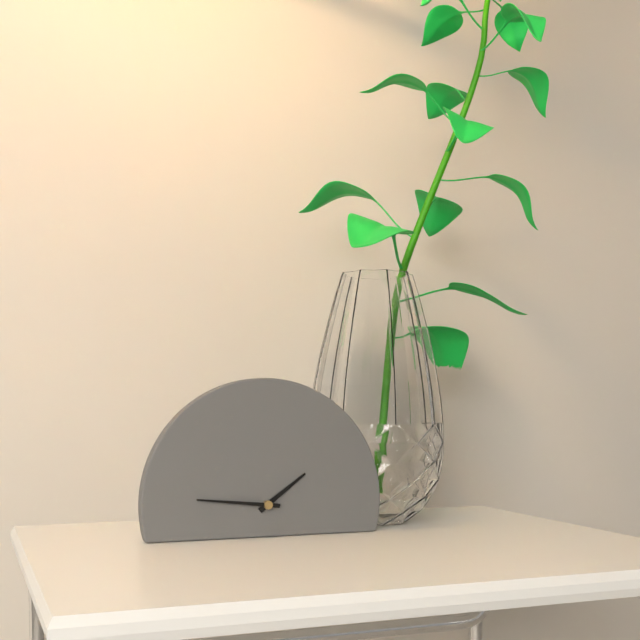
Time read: 1,46
